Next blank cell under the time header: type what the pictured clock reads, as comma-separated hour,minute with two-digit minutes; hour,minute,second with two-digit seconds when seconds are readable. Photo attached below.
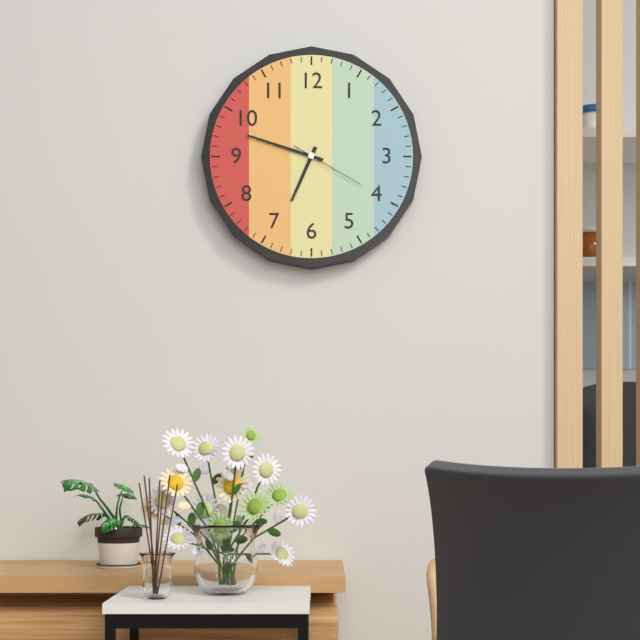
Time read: 6,48,20
